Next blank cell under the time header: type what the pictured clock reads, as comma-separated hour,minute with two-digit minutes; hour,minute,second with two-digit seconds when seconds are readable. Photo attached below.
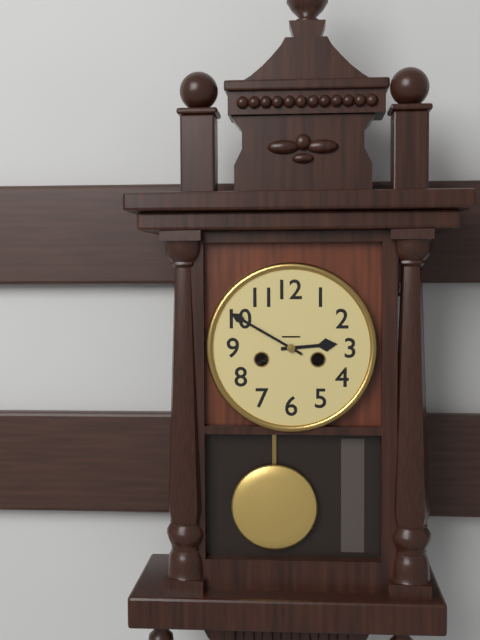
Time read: 2,50
